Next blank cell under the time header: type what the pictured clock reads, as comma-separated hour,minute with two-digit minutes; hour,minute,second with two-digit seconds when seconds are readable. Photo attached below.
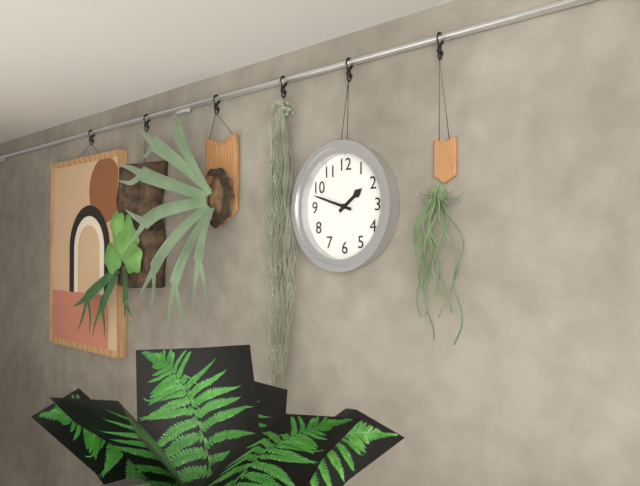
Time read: 1,48
